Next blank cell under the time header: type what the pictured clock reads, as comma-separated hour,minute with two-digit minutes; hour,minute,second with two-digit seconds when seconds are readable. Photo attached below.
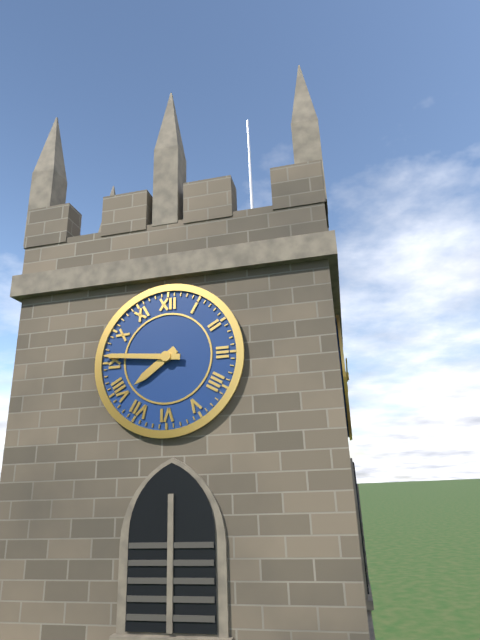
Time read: 7,46
